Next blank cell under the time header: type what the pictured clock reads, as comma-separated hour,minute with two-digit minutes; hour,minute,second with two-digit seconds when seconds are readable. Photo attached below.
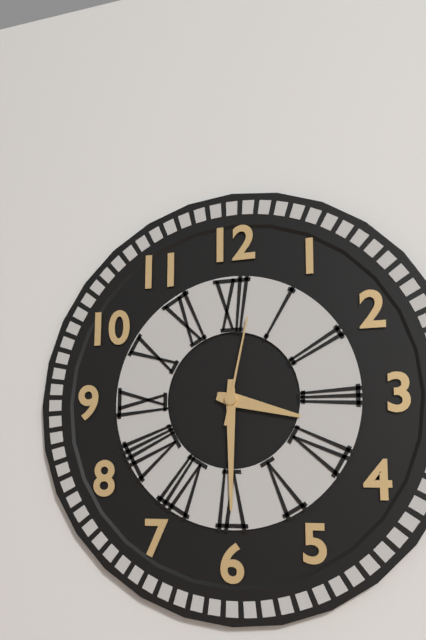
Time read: 3,30,02
